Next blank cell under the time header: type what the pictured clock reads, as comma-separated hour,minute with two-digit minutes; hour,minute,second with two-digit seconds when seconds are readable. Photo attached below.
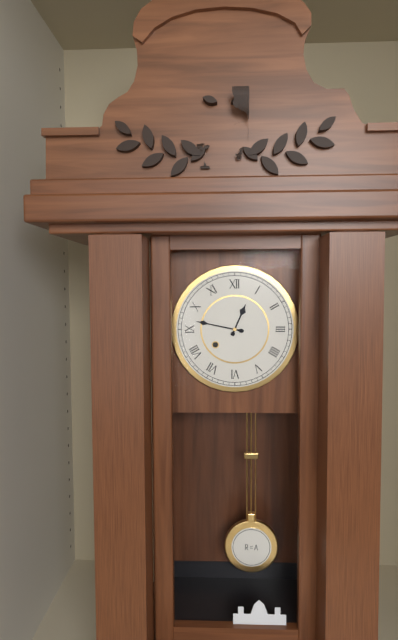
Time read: 12,47
